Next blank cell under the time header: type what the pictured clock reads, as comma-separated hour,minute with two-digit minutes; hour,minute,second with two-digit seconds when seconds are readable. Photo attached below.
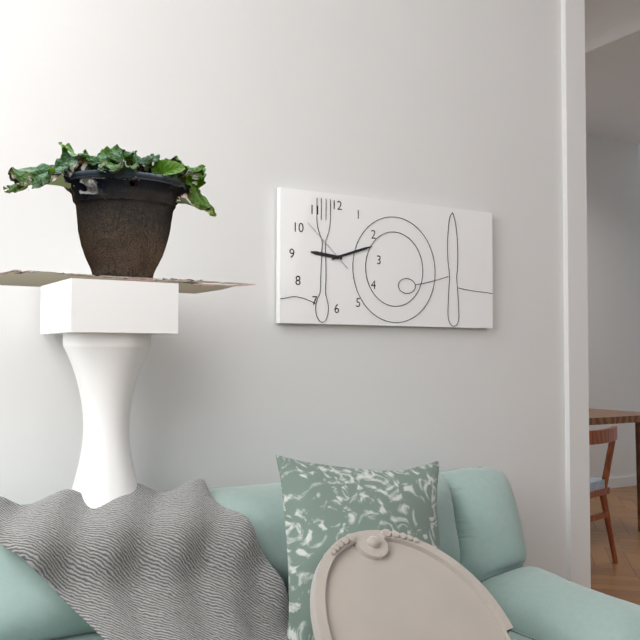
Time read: 9,12,52
